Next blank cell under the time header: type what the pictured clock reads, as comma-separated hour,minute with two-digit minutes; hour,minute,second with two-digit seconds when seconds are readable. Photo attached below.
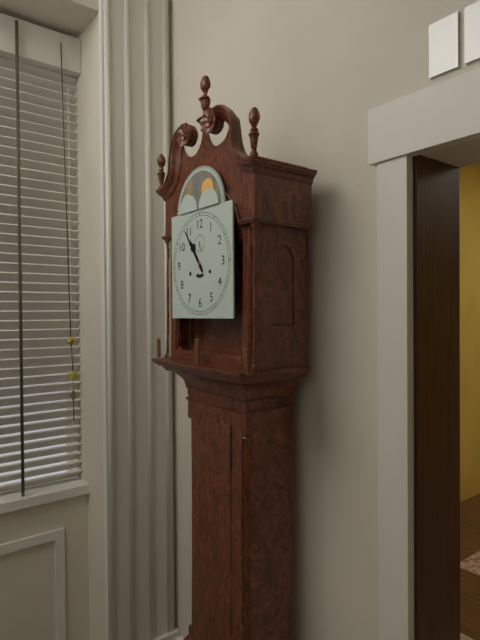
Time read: 10,54
